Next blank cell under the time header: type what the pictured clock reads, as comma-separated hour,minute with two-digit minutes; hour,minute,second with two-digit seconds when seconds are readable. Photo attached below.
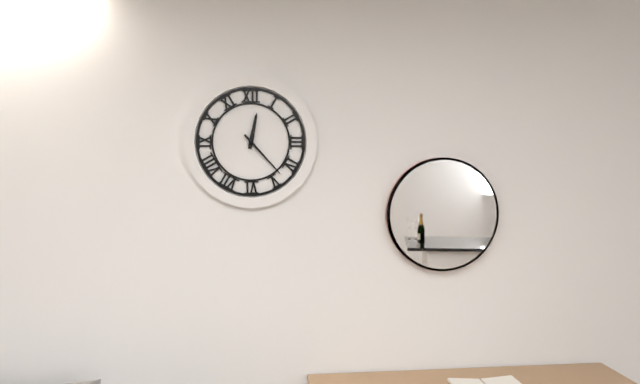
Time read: 12,23
